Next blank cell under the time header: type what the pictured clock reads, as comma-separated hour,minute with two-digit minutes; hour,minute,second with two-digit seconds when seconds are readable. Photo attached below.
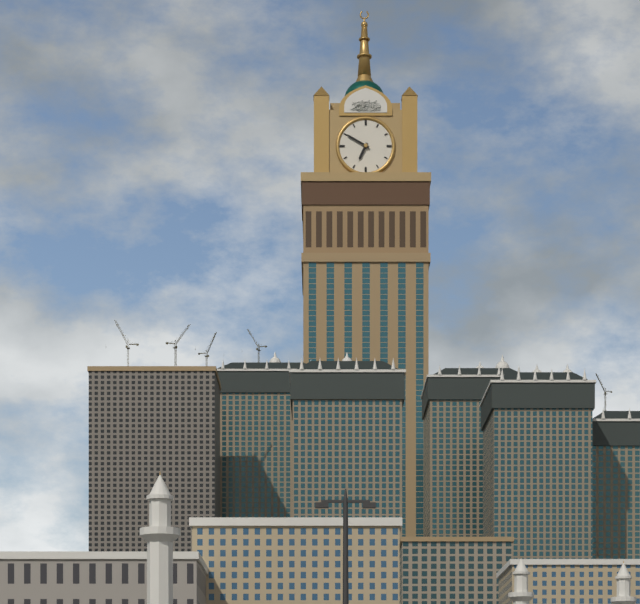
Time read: 6,50
